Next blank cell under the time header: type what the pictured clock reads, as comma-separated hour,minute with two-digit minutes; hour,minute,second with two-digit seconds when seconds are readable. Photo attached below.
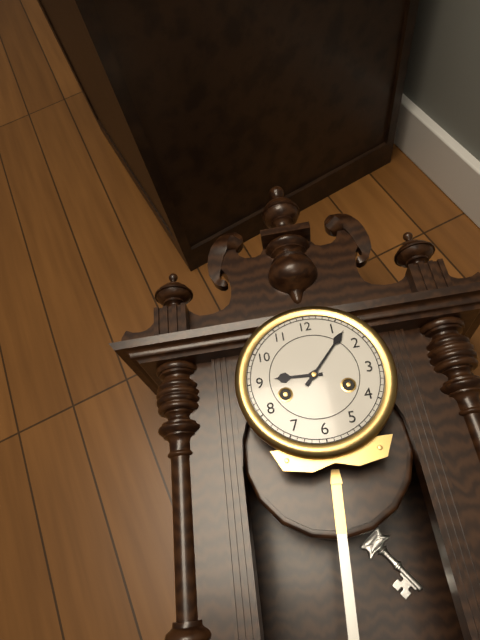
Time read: 9,07
